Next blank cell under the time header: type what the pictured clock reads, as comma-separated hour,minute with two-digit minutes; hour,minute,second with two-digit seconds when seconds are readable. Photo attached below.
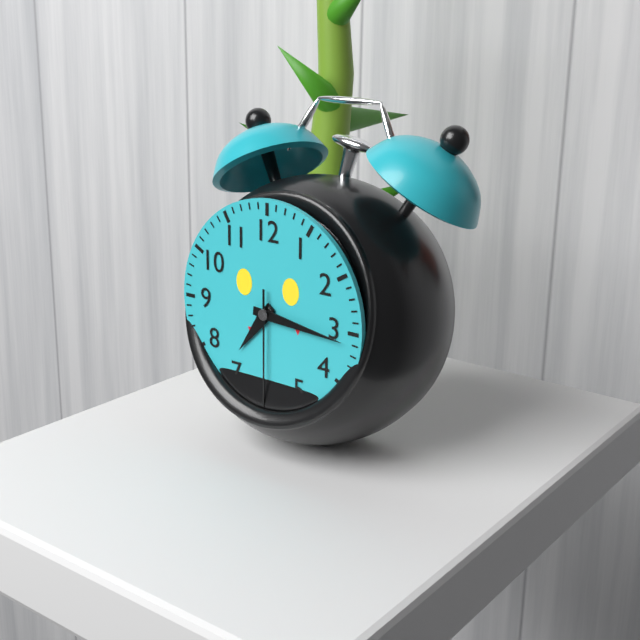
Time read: 7,16,30
